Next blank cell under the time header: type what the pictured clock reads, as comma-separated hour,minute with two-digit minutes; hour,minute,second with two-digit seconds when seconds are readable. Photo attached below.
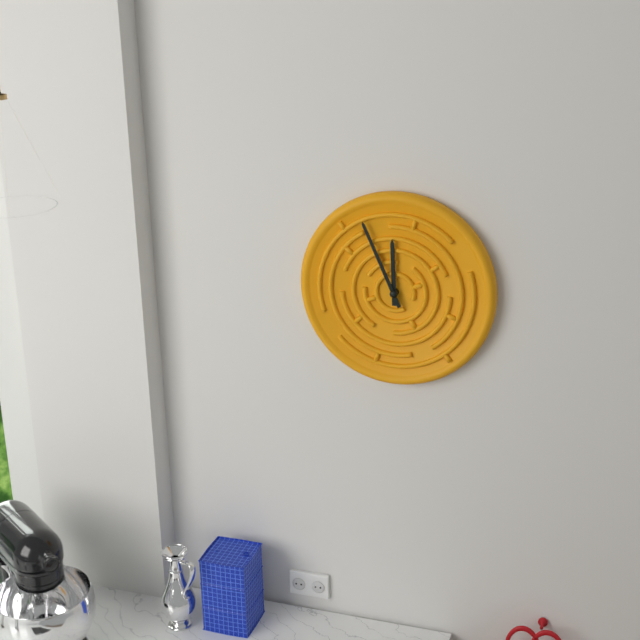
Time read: 11,56
